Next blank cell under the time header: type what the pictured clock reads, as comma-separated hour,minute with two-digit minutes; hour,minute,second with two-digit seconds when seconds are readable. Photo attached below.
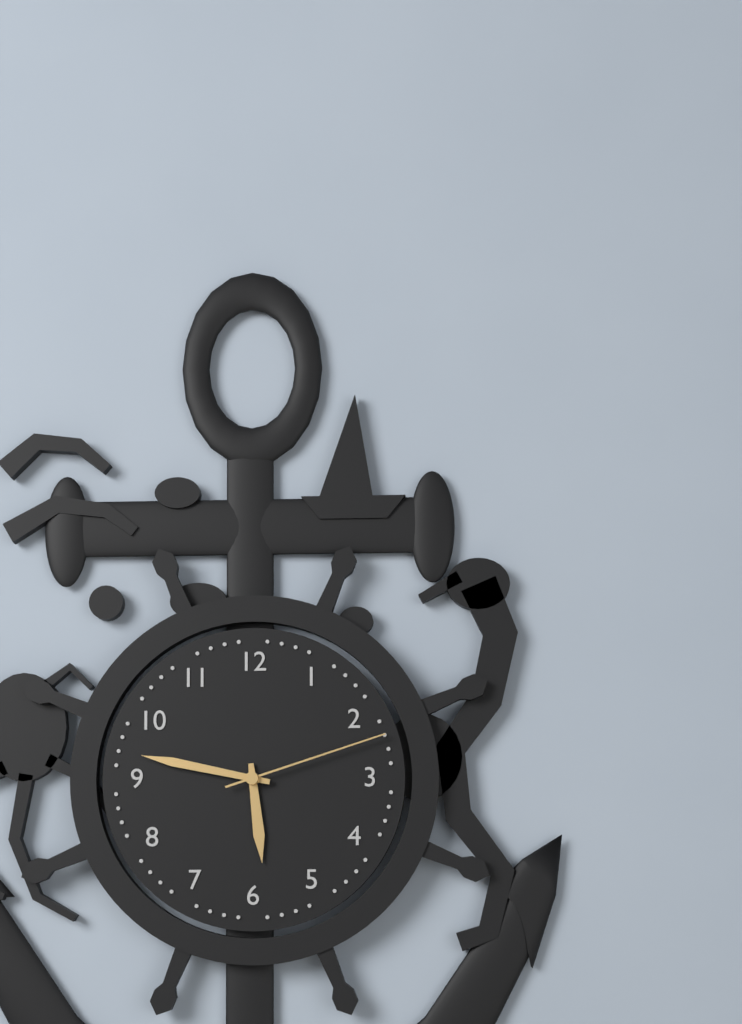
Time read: 5,47,12
